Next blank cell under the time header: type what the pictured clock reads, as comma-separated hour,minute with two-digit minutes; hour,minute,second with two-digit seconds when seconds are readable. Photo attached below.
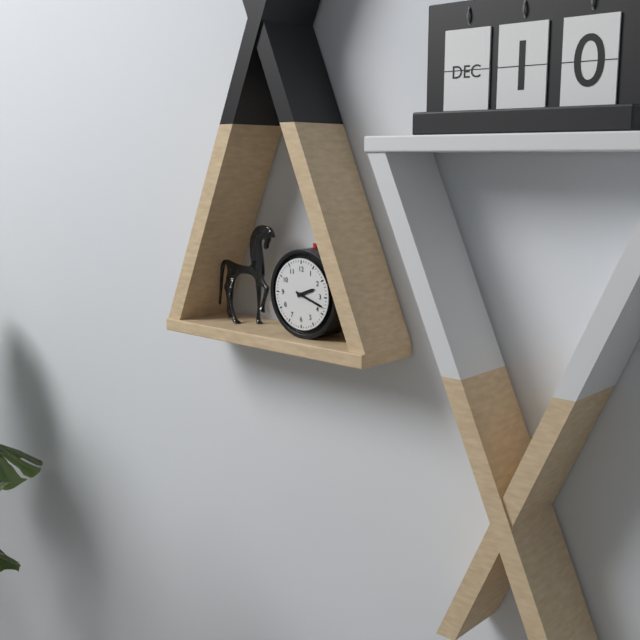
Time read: 2,18
